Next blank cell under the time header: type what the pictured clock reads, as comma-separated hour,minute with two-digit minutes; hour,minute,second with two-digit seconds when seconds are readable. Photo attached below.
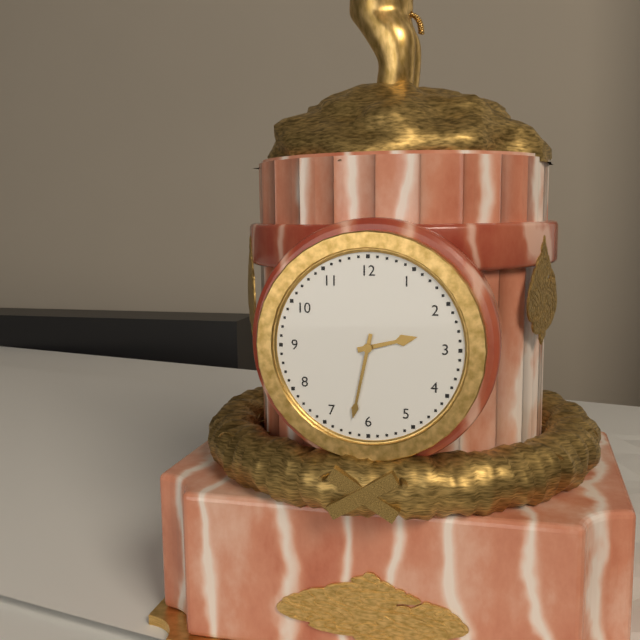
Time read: 2,32
